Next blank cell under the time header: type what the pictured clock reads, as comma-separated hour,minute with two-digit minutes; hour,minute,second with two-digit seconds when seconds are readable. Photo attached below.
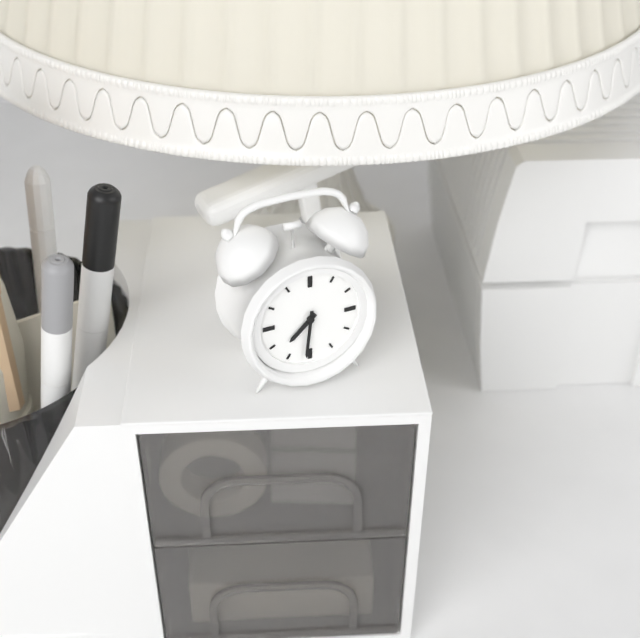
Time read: 7,31
